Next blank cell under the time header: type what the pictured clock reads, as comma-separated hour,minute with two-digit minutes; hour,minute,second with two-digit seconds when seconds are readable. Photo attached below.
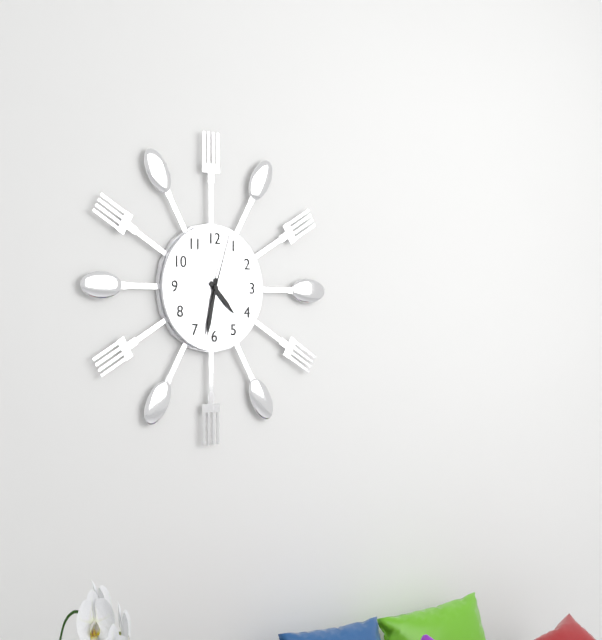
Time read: 4,32,03
